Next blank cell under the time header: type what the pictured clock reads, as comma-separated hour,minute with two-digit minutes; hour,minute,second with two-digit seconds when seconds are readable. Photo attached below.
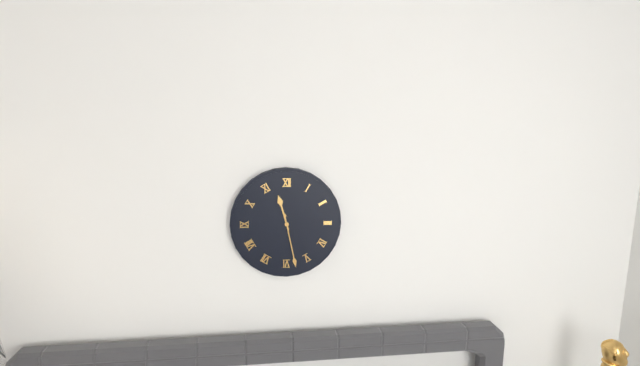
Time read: 11,28
